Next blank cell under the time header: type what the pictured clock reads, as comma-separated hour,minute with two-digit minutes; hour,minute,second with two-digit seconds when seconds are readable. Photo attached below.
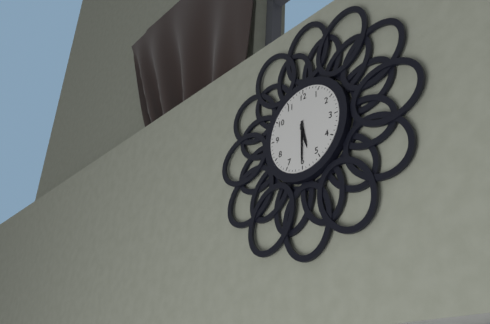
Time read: 5,30
